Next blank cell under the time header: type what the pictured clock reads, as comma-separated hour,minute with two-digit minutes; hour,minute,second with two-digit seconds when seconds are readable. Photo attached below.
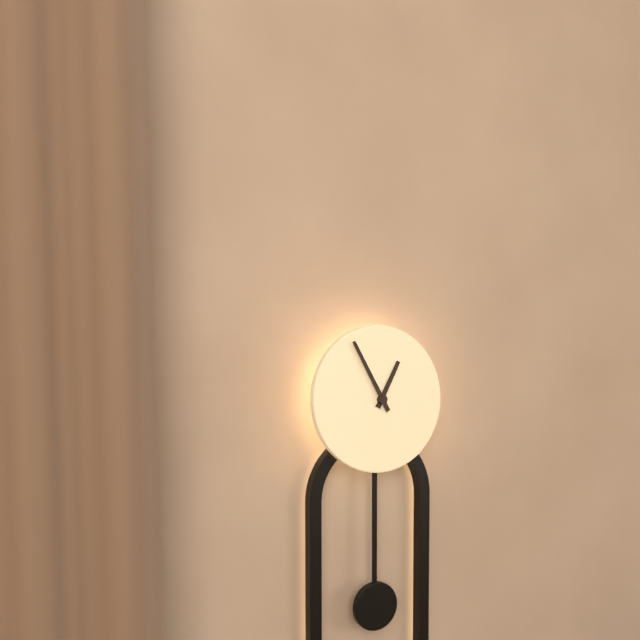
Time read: 12,55
